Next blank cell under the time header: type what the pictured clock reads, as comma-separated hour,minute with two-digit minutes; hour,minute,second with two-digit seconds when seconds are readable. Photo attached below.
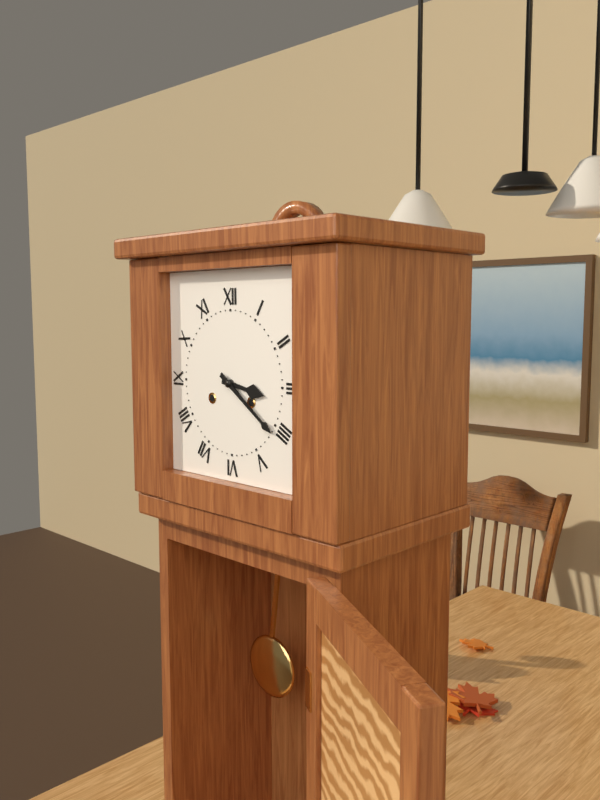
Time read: 3,21
